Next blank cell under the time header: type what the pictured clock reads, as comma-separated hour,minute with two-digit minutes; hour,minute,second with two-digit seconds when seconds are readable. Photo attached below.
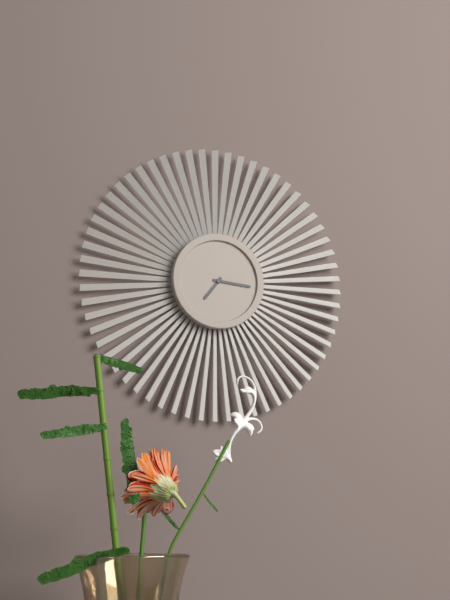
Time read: 7,16
